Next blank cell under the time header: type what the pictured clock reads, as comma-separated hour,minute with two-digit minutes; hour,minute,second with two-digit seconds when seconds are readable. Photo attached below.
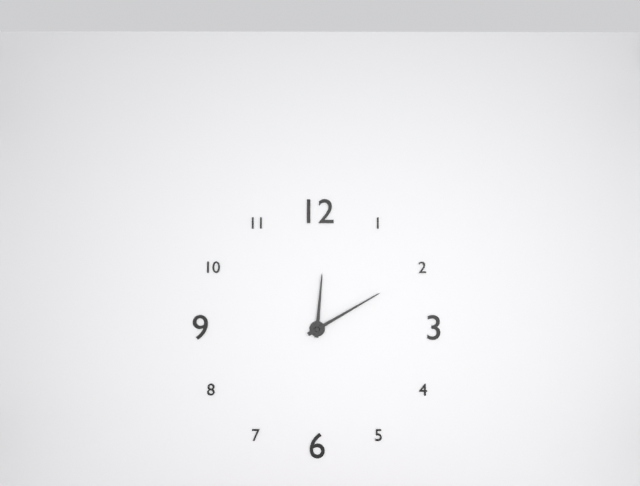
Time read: 12,10
